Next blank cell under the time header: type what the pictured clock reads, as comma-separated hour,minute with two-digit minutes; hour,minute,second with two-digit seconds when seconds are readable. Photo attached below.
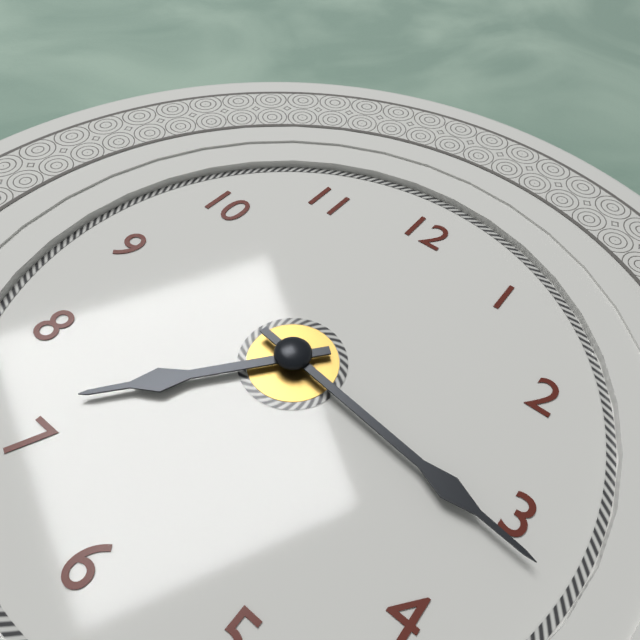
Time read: 7,16
